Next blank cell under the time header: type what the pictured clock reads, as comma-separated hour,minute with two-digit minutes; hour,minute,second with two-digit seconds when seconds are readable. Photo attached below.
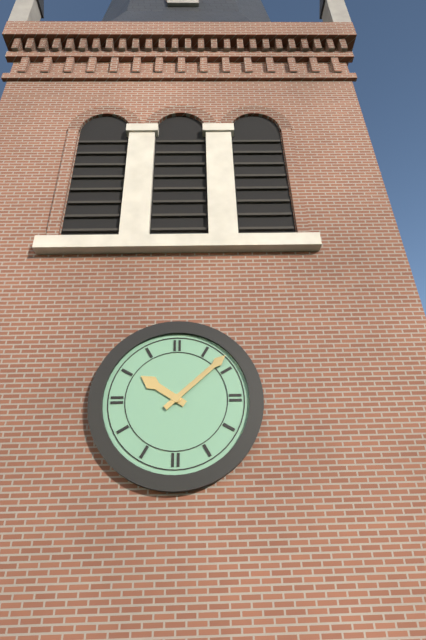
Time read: 10,08
